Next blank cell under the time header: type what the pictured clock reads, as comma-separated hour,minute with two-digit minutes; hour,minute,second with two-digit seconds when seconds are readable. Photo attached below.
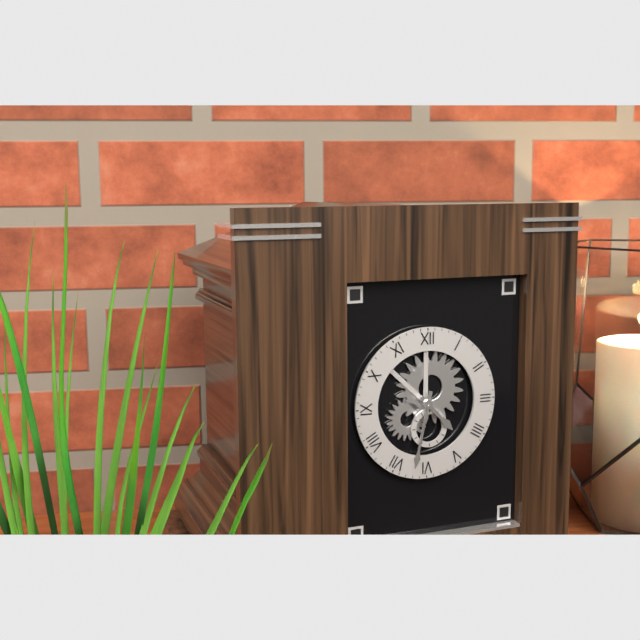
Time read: 4,32
